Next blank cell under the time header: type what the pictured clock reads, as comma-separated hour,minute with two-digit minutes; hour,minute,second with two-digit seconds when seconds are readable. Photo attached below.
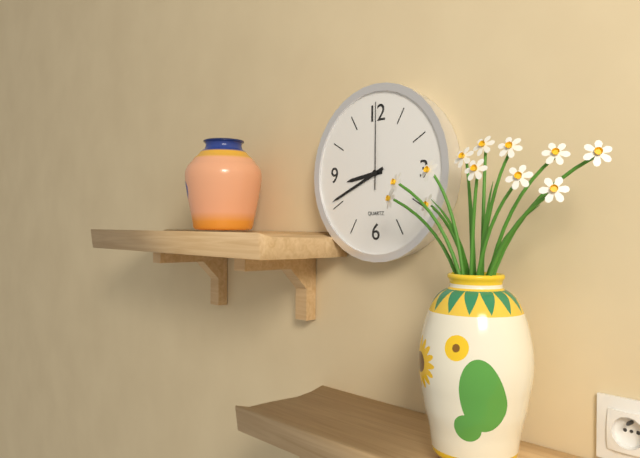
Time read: 8,41,00
